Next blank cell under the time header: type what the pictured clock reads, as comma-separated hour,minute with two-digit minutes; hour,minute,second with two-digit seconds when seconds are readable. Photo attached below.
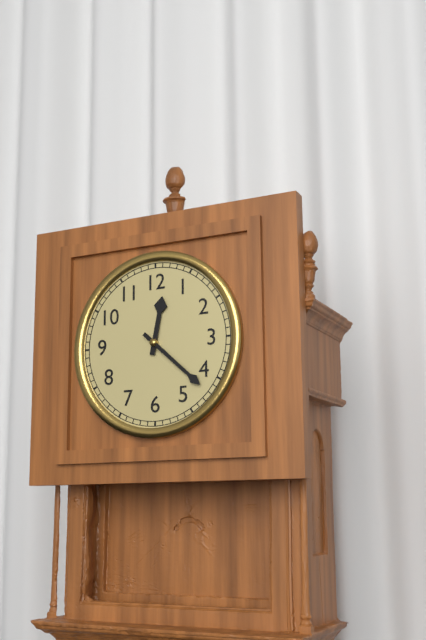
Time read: 12,22
